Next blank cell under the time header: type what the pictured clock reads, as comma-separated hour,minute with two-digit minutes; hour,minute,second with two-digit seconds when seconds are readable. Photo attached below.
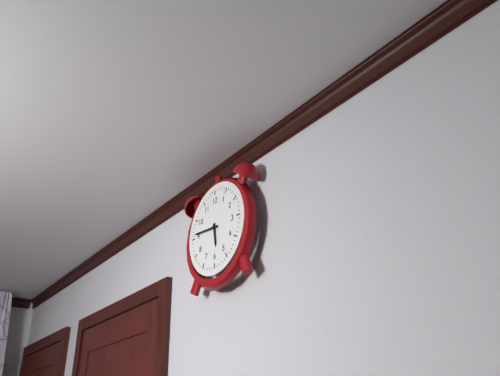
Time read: 5,46
